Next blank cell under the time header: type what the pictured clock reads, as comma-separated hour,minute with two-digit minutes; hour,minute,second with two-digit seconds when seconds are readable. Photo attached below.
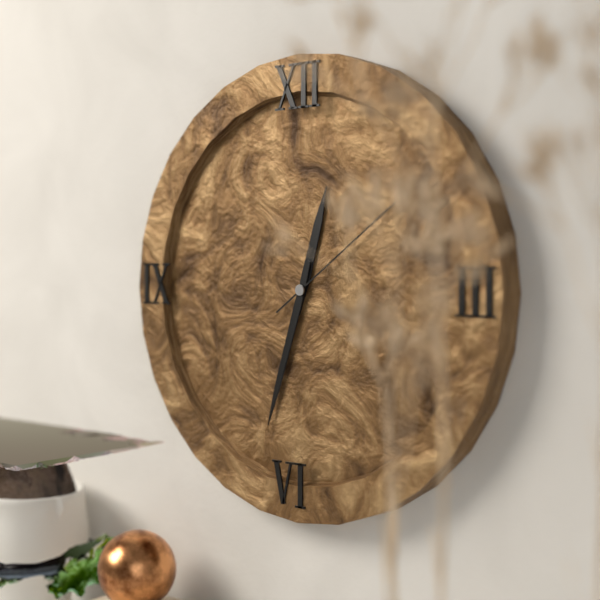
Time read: 12,33,09
